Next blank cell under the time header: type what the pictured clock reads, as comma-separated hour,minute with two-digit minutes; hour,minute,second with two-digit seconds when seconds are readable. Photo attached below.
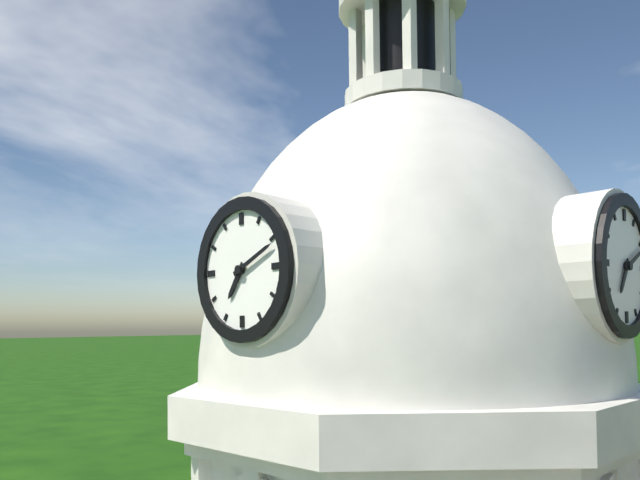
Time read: 7,11
